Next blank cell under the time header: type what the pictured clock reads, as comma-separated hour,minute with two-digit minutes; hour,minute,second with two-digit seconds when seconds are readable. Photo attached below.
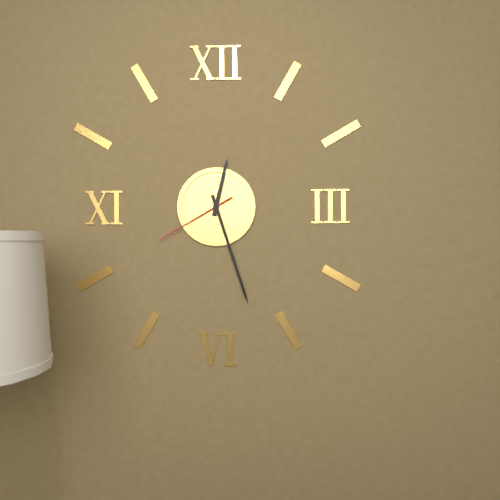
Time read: 12,27,40
